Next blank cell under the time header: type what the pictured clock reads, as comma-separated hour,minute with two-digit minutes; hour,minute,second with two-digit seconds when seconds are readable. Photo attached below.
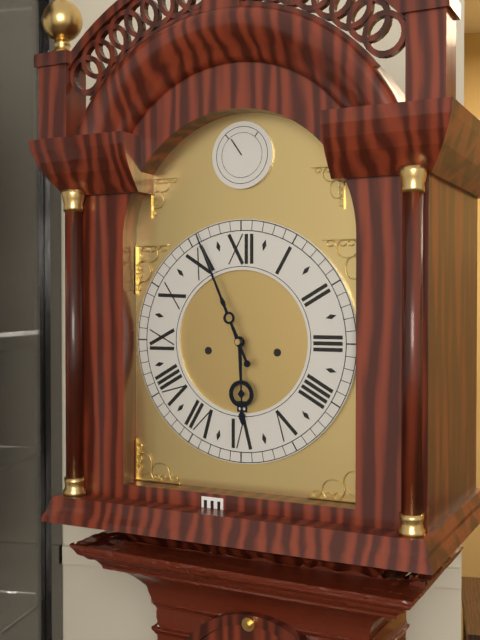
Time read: 5,56
